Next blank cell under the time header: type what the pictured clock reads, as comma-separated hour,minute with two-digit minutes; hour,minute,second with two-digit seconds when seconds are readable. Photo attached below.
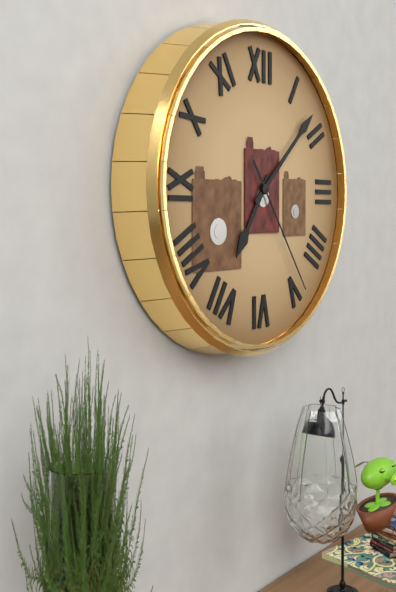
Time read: 7,08,24
